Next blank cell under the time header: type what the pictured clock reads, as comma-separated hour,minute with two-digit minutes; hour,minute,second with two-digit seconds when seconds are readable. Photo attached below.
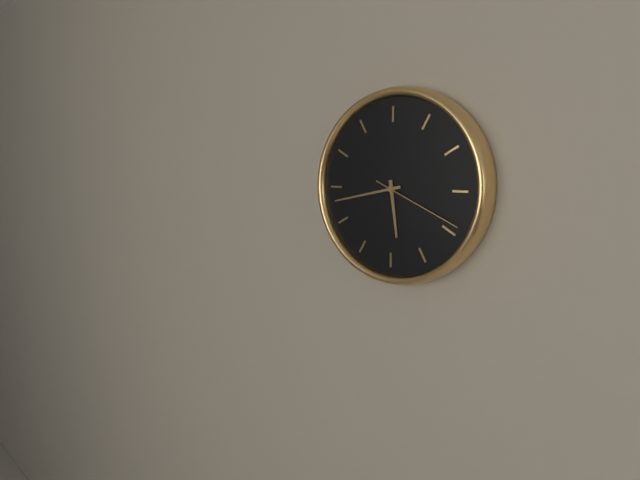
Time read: 5,43,19
